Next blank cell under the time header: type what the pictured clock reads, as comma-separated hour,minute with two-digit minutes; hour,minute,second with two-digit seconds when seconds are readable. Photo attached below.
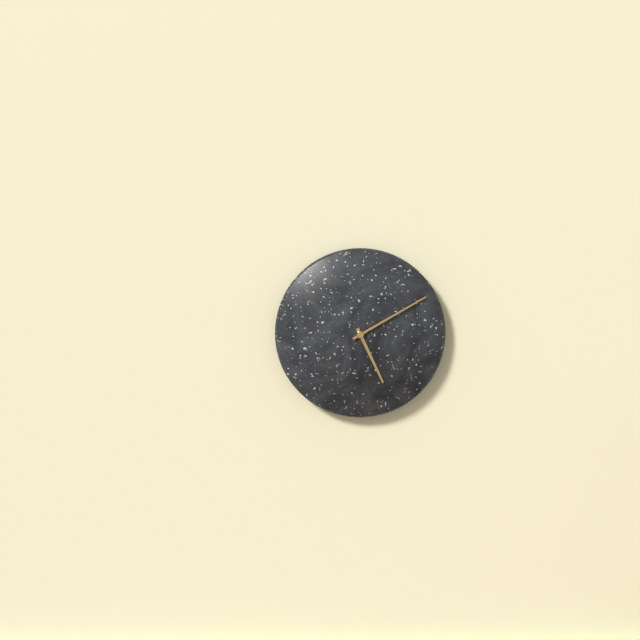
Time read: 5,10
